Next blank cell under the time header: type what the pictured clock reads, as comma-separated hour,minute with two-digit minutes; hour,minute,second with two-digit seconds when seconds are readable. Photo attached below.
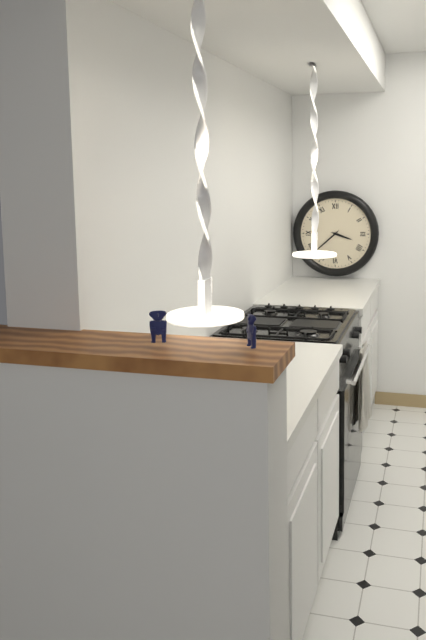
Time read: 3,38
